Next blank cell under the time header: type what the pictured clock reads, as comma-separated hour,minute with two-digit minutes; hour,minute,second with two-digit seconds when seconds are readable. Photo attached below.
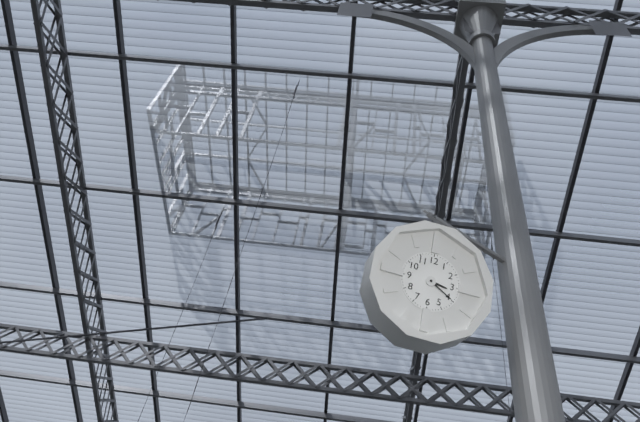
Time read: 3,20
